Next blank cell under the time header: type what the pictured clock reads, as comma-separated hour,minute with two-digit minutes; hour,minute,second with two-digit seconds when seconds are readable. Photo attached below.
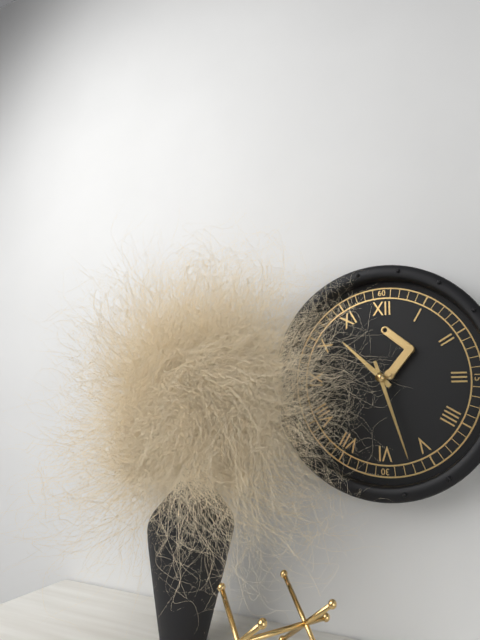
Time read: 10,27
